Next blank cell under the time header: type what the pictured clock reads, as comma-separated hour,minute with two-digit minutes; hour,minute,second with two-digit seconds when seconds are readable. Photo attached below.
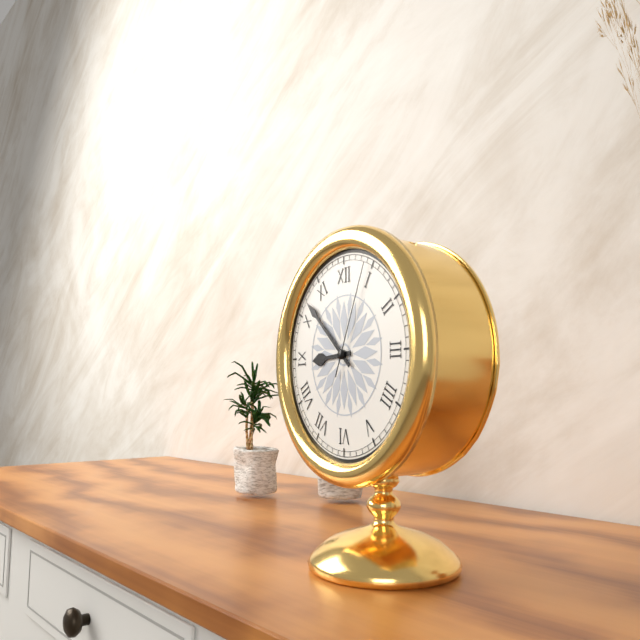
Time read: 8,52,04
